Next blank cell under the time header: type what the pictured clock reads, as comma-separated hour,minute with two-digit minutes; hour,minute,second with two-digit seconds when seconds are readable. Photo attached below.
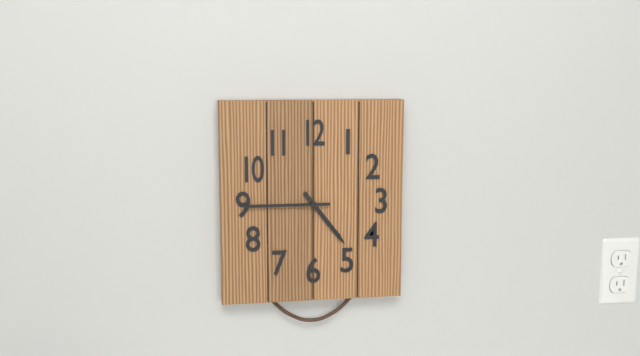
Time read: 4,45
